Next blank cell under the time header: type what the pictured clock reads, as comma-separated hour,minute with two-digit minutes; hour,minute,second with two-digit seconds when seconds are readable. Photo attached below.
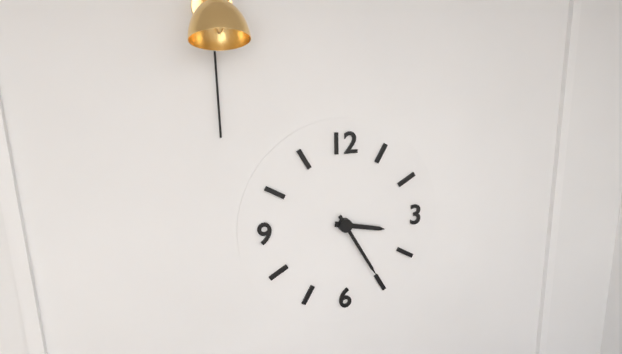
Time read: 3,25
